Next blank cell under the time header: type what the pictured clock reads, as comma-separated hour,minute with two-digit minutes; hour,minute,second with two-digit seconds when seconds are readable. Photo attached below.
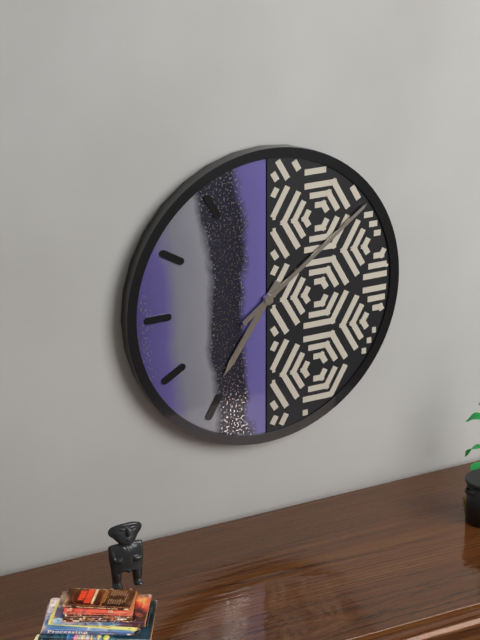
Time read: 7,09
